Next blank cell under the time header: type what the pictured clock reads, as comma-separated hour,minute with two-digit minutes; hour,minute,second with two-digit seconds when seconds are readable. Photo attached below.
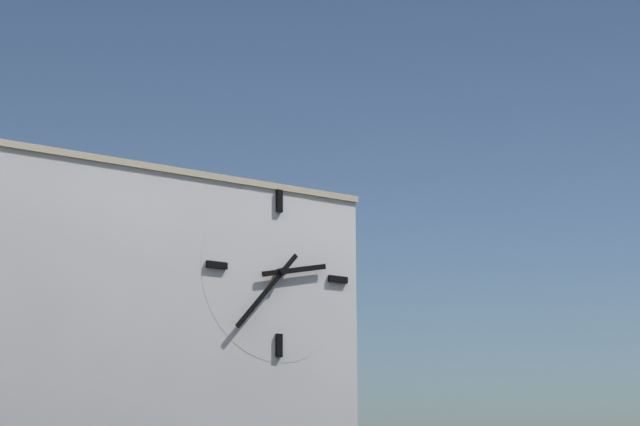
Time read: 2,37
